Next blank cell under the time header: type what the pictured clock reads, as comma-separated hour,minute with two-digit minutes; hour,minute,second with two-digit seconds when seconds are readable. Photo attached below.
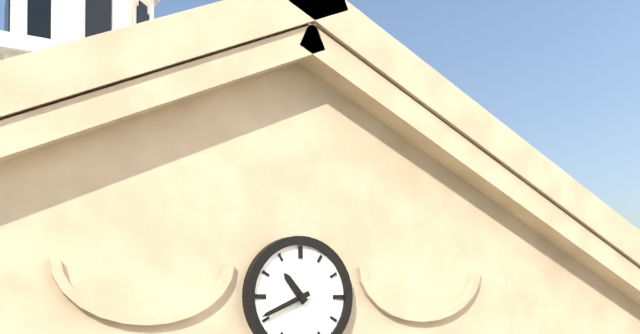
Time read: 10,41
